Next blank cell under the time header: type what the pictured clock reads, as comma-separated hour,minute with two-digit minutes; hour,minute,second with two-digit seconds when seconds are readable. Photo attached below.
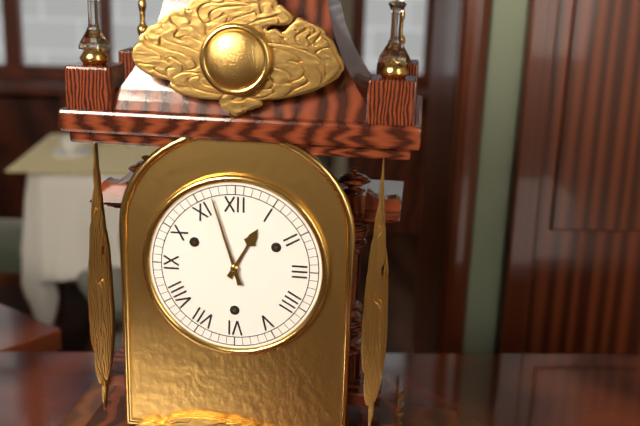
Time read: 12,57
